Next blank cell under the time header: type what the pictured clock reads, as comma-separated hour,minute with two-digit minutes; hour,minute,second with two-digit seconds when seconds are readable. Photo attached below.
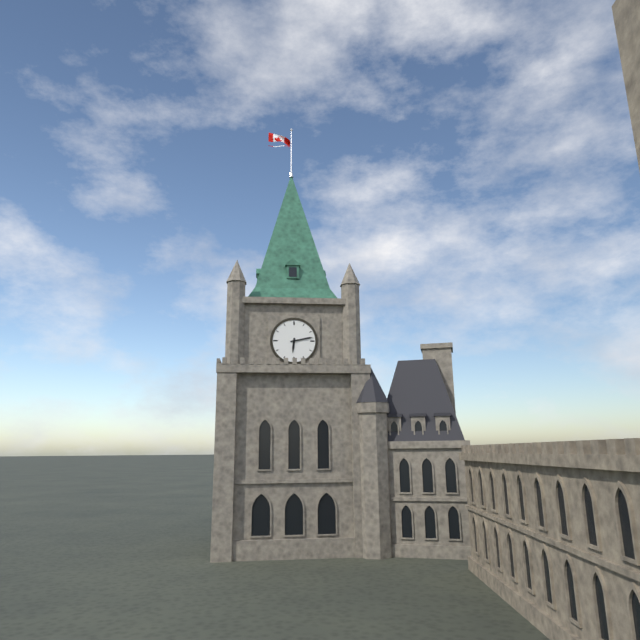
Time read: 6,13
